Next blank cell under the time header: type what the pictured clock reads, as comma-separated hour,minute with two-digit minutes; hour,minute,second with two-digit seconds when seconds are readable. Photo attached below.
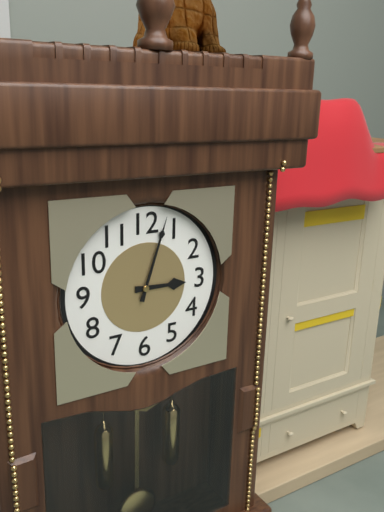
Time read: 3,03
